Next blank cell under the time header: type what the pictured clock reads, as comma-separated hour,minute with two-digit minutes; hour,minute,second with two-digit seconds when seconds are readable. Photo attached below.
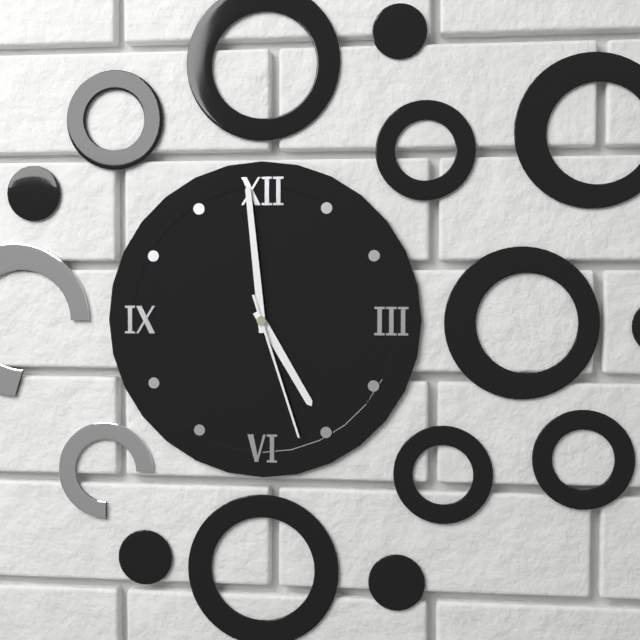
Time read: 4,59,27
